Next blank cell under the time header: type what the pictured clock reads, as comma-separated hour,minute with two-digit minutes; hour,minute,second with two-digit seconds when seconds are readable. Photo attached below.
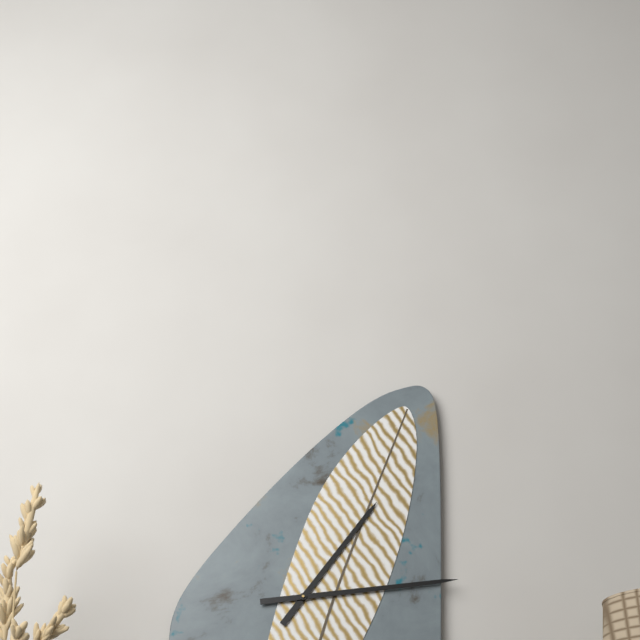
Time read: 1,14
